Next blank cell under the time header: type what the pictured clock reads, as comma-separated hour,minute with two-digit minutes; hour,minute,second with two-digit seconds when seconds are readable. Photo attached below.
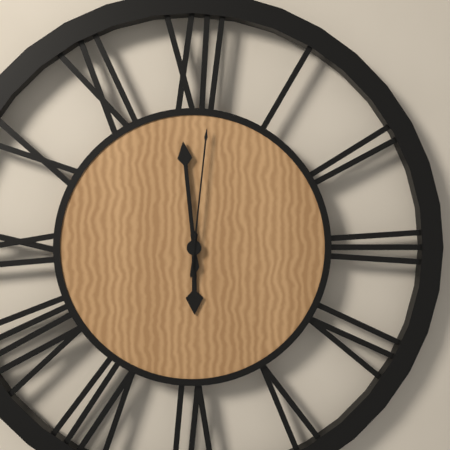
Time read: 5,59,01
